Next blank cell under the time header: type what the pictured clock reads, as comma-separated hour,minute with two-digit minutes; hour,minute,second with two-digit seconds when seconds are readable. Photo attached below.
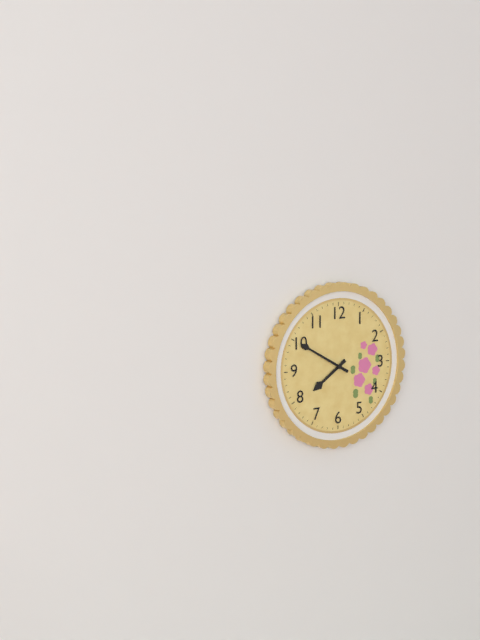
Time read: 7,50
